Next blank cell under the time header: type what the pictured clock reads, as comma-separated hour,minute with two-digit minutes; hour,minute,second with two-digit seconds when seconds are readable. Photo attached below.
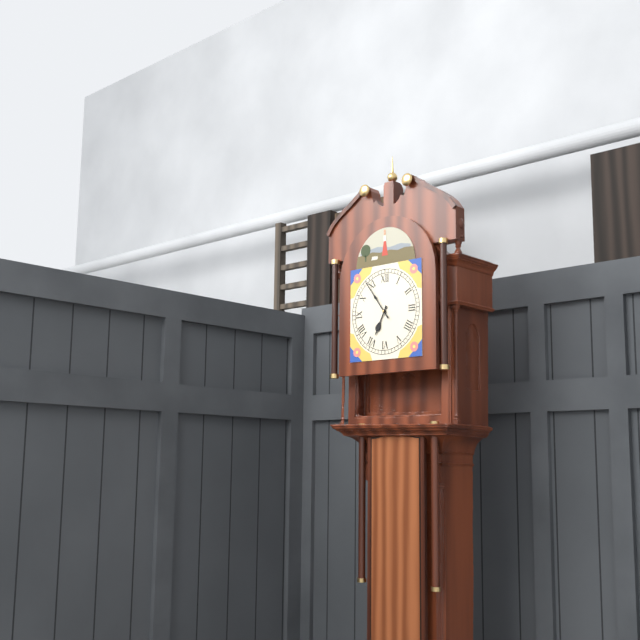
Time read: 6,54
